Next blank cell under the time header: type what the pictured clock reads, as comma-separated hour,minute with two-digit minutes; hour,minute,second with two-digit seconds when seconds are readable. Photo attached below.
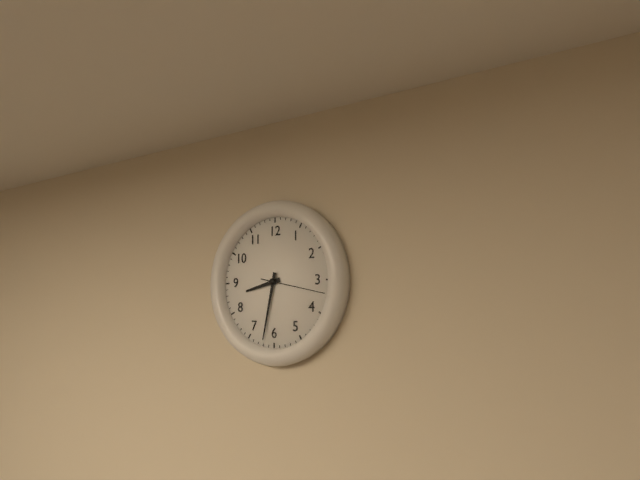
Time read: 8,32,17
